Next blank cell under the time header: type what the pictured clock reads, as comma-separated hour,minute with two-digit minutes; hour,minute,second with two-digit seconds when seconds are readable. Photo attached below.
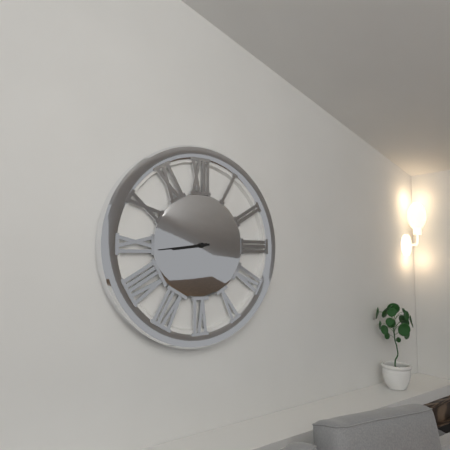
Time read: 8,44
